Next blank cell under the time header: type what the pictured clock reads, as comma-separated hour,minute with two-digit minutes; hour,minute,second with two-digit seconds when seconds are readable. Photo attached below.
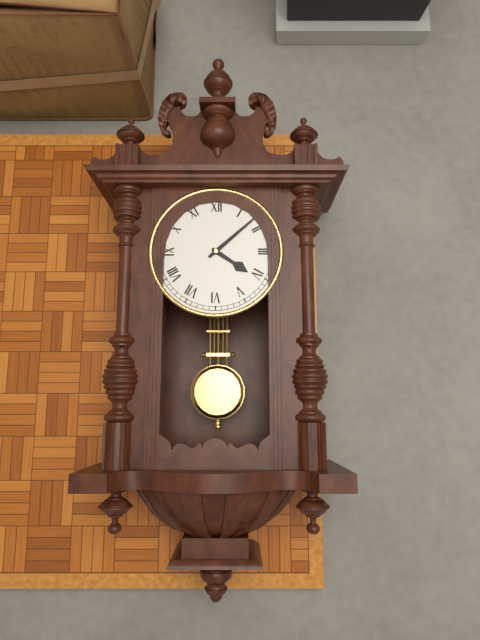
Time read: 4,08
